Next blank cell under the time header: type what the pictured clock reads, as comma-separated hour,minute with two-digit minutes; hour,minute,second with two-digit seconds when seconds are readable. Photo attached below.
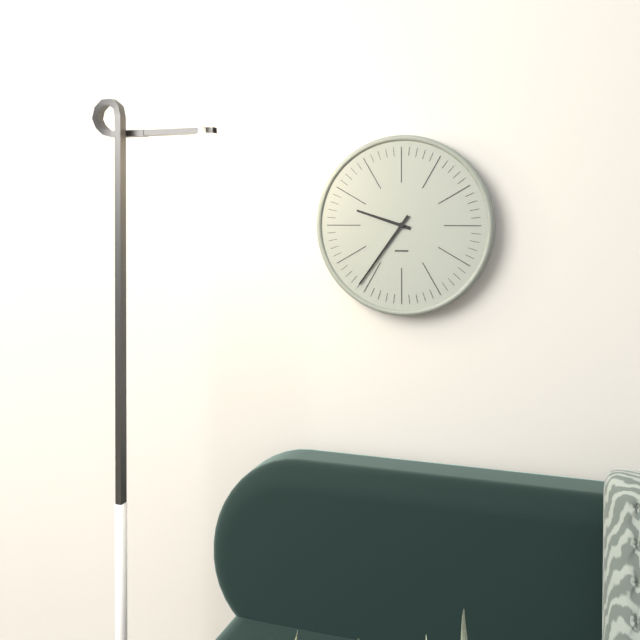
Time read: 9,36
